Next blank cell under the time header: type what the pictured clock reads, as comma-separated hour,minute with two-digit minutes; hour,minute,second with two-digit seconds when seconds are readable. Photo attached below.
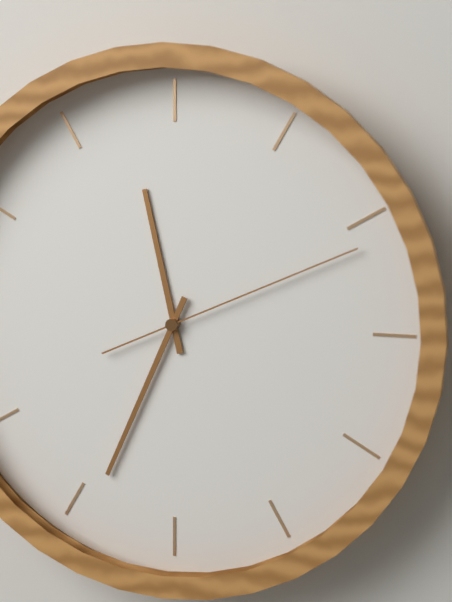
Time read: 11,34,11
